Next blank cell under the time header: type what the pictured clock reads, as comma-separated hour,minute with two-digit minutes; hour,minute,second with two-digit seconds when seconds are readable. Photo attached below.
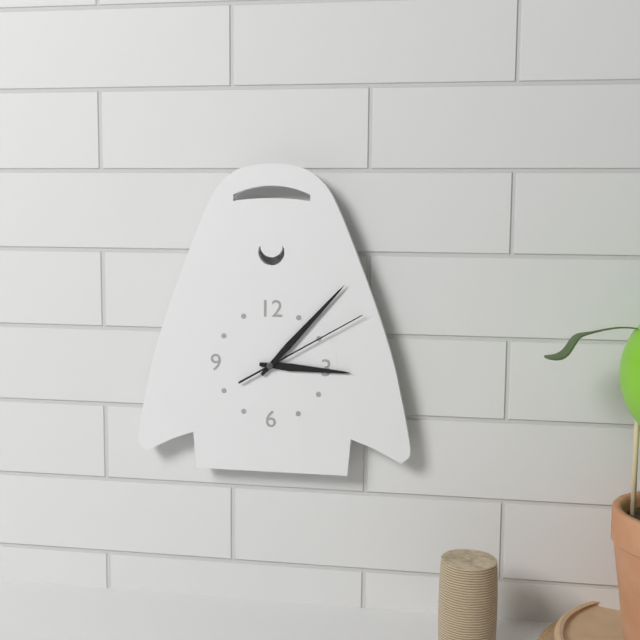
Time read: 3,07,10
